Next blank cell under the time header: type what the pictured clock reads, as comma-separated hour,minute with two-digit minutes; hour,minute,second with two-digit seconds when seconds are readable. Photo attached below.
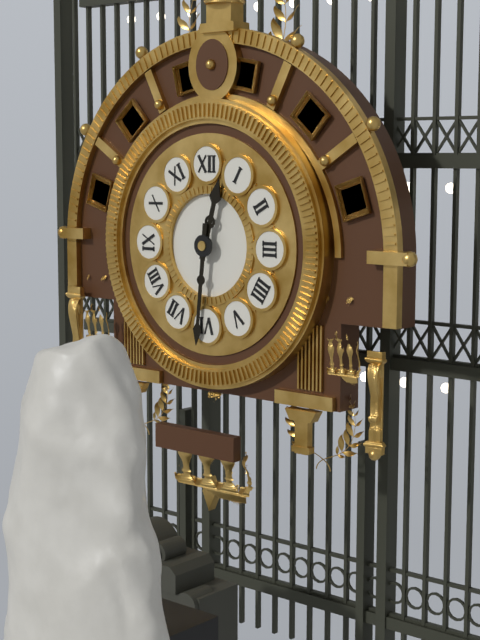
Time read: 12,31
